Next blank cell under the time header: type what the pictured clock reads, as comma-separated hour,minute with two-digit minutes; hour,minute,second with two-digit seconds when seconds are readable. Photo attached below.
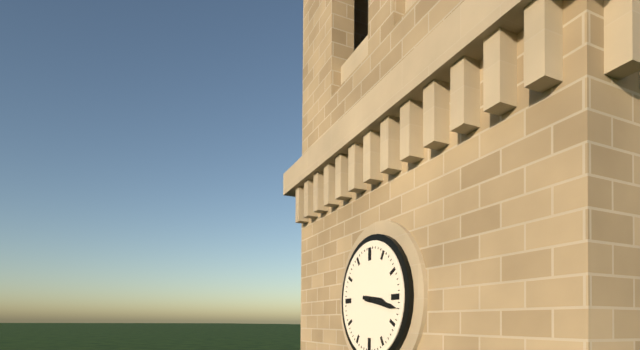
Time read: 3,17
